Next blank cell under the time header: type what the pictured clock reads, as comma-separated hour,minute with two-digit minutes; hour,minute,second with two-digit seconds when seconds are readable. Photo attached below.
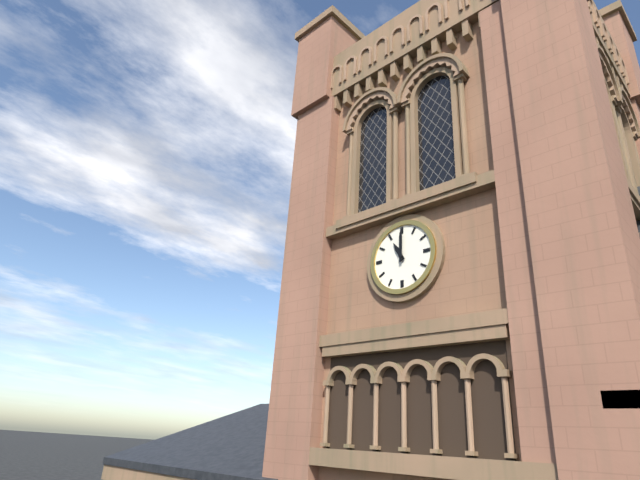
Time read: 11,00
